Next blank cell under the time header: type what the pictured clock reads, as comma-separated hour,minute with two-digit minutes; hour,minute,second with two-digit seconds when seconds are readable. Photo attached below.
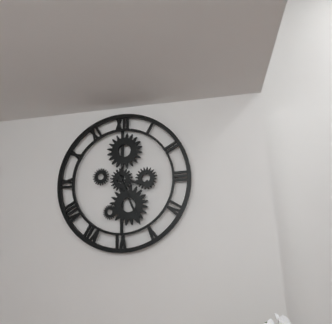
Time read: 3,26
